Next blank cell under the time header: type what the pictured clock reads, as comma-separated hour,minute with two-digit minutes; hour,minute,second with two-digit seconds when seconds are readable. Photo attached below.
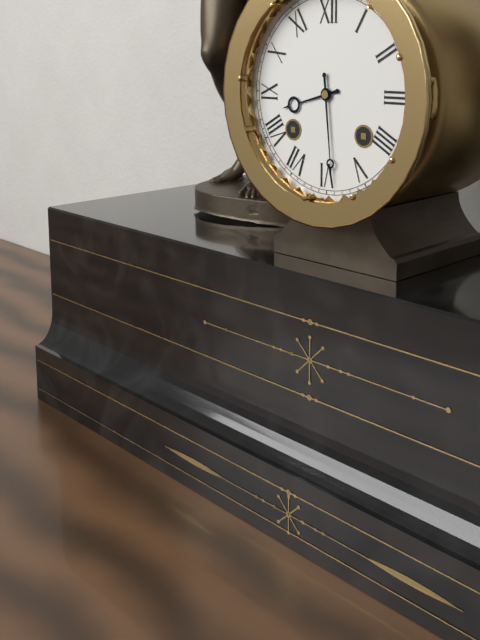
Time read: 8,29
